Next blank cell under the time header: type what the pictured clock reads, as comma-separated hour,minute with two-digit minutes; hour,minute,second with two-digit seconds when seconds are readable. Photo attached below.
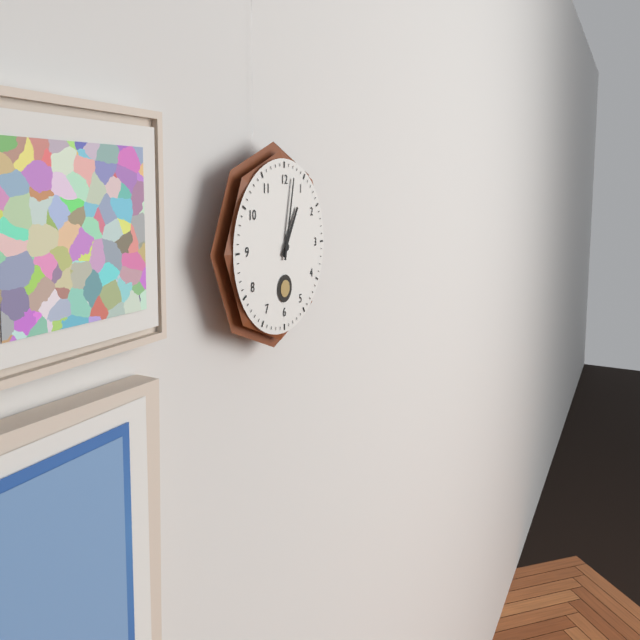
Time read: 1,02
